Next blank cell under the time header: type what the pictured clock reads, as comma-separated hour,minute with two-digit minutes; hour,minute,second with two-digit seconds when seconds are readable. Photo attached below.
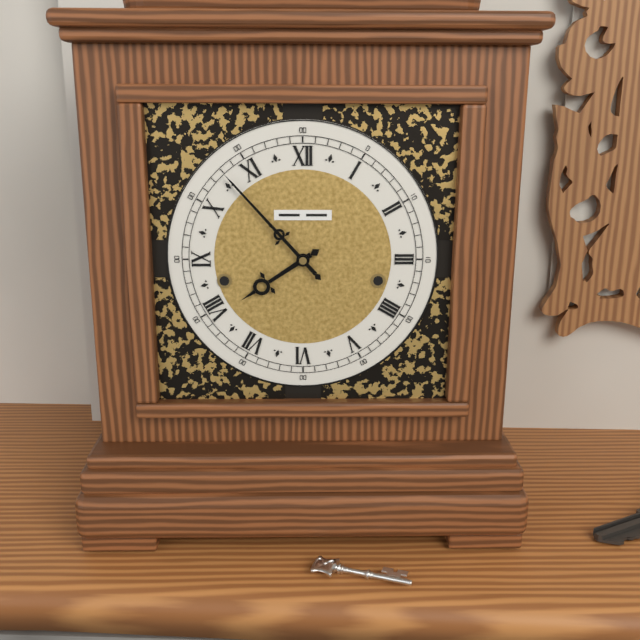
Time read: 7,53
